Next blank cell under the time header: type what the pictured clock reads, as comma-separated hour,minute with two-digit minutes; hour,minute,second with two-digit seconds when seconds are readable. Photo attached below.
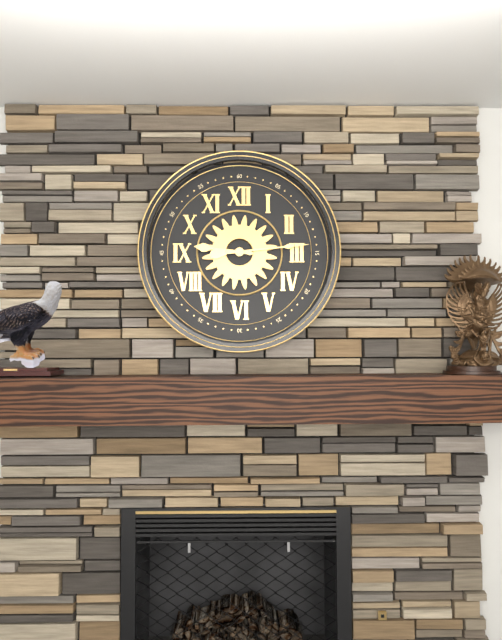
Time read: 9,14
